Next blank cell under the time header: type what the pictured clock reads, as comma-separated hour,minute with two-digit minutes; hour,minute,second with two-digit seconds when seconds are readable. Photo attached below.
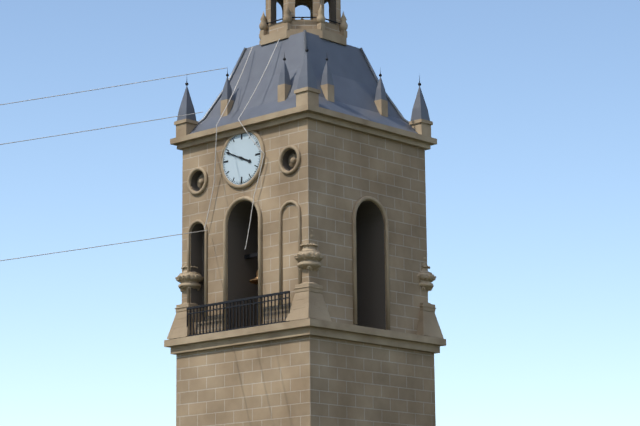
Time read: 3,49
